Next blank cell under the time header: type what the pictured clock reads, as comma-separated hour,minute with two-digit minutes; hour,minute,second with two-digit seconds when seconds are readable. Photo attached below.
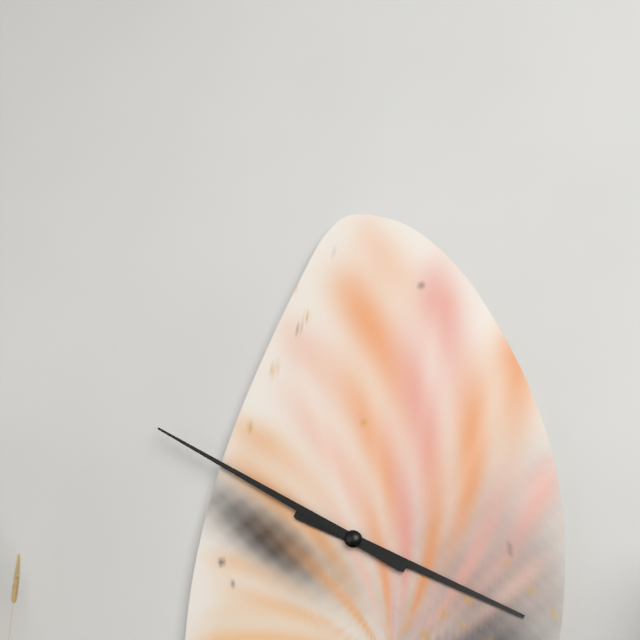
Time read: 3,50
